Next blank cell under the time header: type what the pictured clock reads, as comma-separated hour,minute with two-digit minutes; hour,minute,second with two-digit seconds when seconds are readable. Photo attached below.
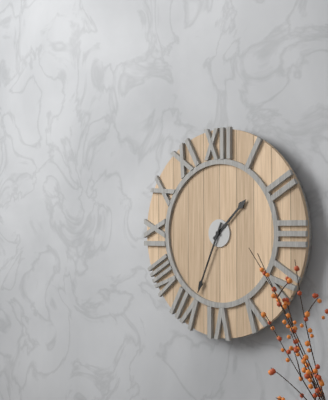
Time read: 1,34
